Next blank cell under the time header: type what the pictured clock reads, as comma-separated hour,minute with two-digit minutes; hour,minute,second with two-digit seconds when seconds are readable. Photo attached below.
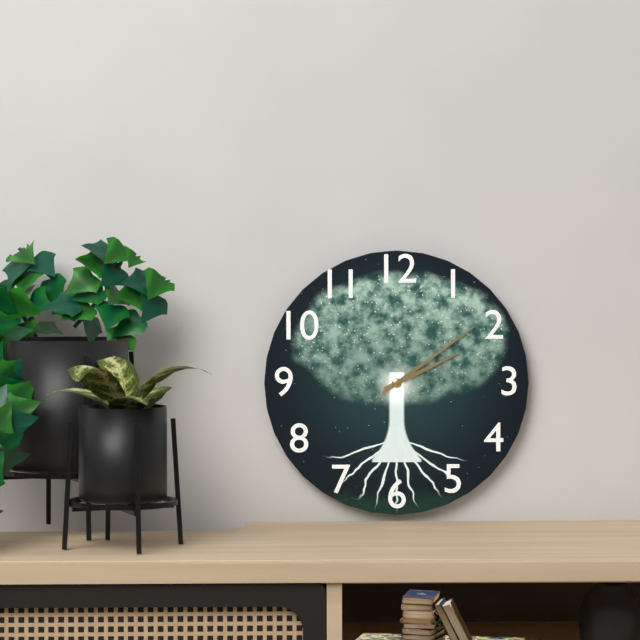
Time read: 2,09
